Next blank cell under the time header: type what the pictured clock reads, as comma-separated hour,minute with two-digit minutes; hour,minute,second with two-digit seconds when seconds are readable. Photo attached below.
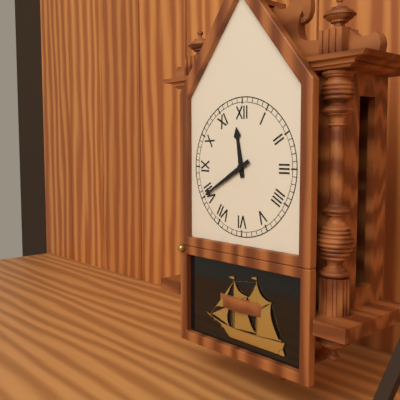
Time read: 11,40
